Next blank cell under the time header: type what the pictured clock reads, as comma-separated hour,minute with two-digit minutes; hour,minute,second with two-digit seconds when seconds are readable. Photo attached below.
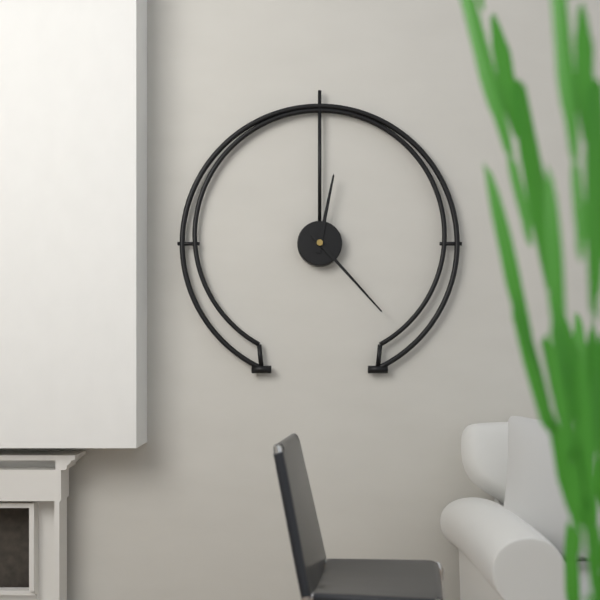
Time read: 12,23
